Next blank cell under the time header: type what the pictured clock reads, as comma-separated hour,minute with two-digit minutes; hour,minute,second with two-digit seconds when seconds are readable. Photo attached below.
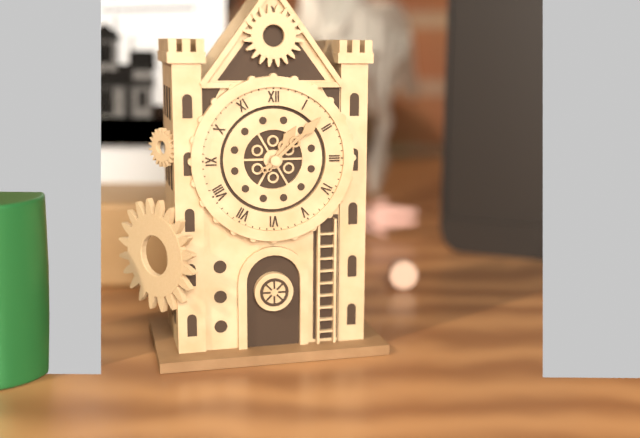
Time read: 1,08
